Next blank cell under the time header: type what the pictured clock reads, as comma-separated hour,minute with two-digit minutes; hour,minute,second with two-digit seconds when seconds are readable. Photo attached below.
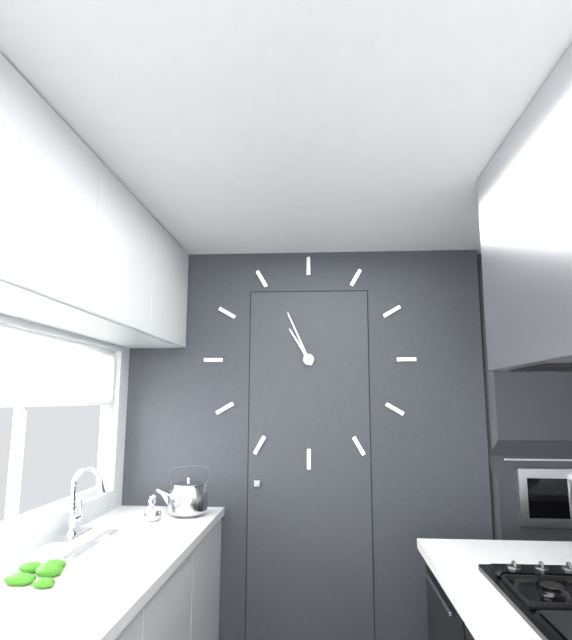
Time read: 10,56
